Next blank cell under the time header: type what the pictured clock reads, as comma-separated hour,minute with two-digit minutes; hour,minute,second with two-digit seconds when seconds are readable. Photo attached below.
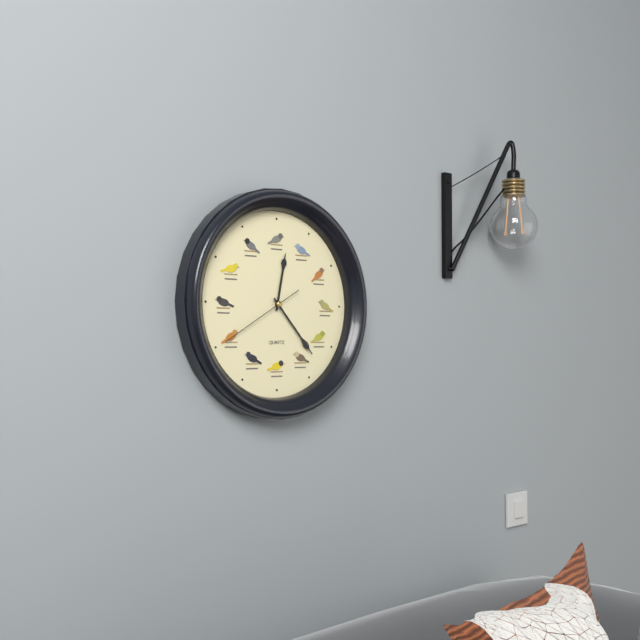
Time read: 12,23,40
